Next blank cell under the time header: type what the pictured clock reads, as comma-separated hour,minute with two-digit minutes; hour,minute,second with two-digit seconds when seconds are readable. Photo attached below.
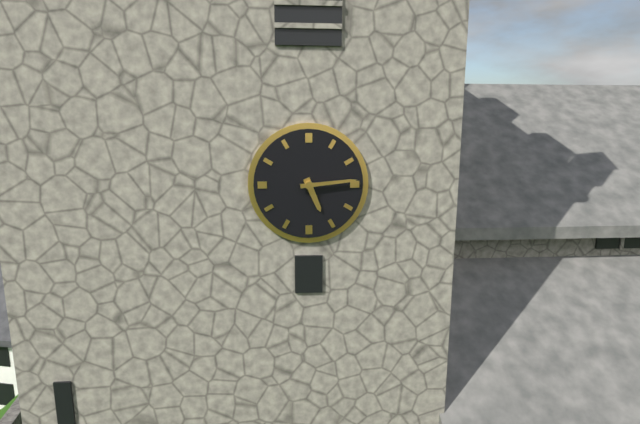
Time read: 5,14
